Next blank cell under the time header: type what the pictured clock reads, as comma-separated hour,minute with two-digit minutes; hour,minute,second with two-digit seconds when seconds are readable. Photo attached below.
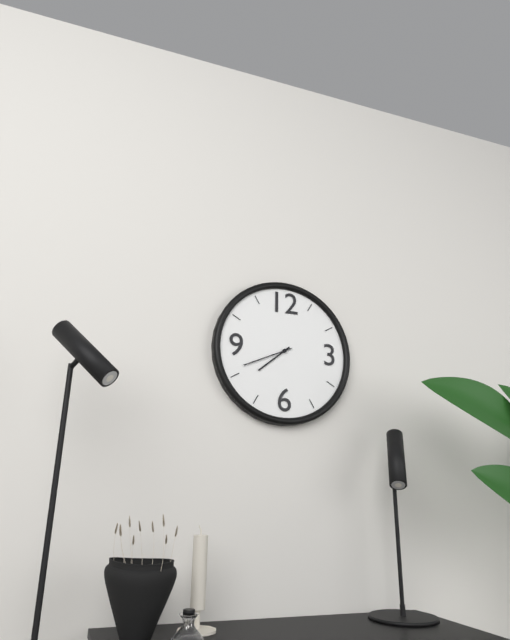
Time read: 7,41
